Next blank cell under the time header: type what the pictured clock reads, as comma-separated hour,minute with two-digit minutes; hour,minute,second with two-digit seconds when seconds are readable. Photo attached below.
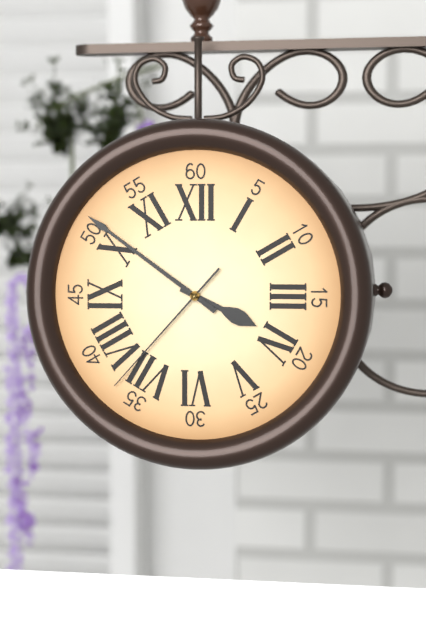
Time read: 3,51,37
